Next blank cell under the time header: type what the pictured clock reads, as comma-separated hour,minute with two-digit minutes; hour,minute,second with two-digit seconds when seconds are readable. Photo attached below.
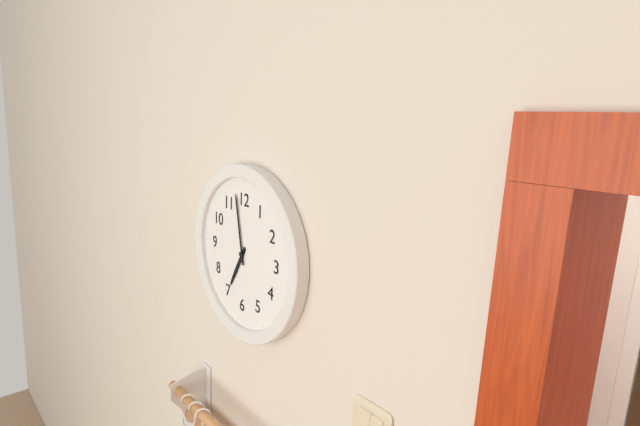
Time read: 6,58
